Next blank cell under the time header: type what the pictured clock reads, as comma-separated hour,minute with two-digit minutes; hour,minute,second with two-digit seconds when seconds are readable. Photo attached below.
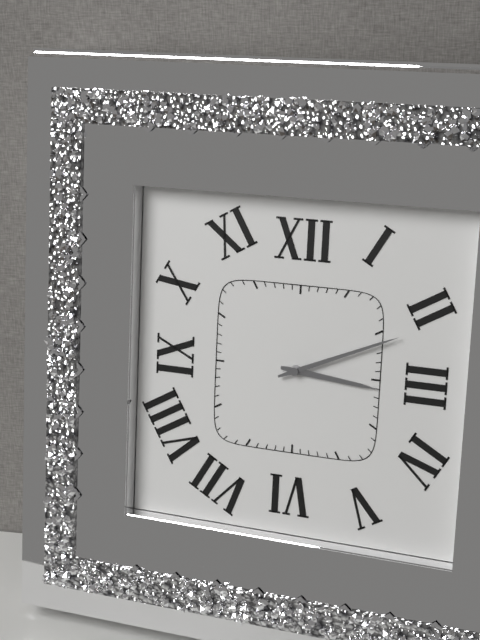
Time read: 3,11
